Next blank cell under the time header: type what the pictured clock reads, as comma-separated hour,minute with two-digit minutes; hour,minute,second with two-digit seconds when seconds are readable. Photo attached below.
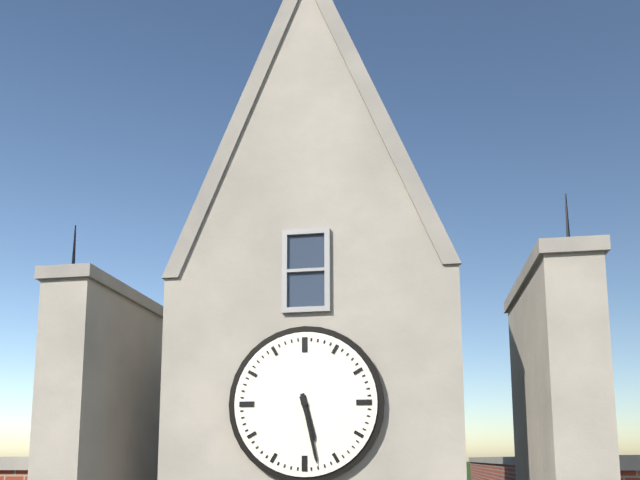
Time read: 5,28
